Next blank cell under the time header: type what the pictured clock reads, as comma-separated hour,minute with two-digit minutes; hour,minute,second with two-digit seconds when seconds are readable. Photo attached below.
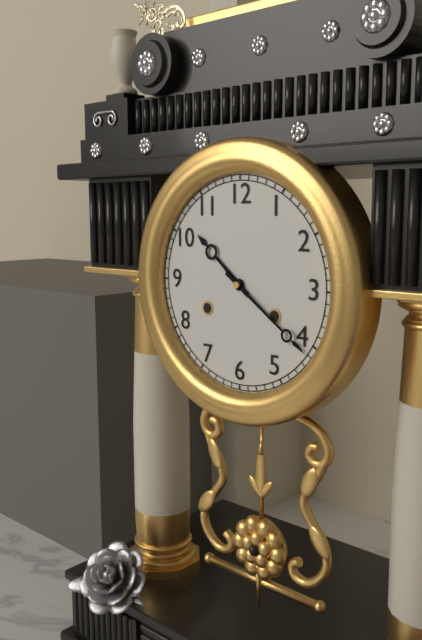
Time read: 10,21
